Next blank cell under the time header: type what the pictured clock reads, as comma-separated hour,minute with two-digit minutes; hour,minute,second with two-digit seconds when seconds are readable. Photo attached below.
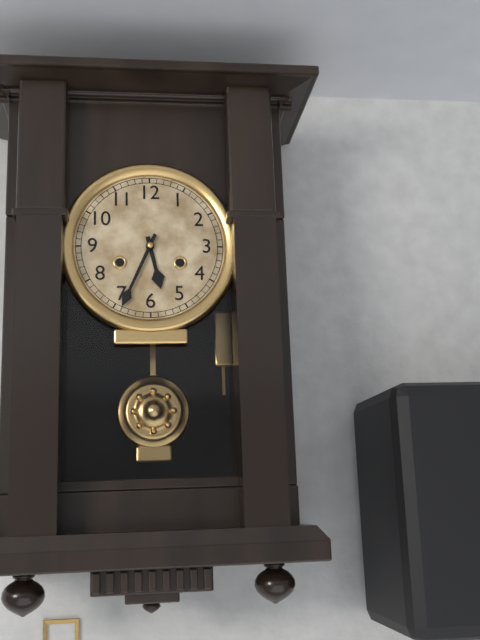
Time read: 5,34
